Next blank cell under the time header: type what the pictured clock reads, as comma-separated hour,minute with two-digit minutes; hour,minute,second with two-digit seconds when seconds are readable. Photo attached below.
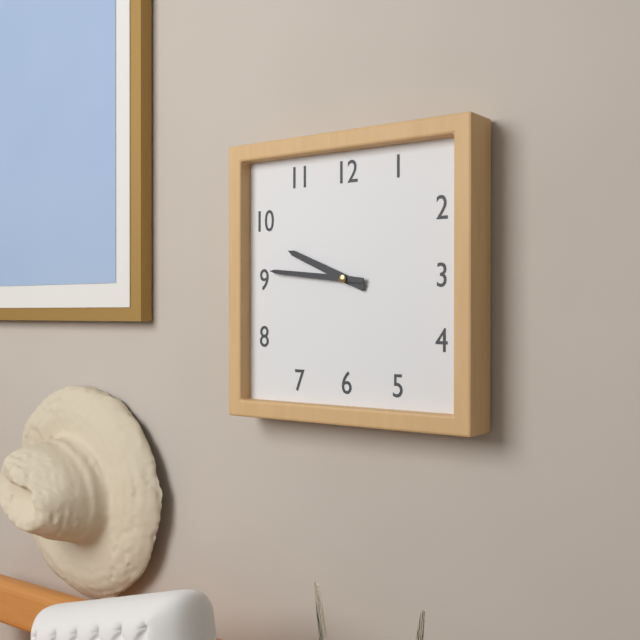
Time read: 9,46
